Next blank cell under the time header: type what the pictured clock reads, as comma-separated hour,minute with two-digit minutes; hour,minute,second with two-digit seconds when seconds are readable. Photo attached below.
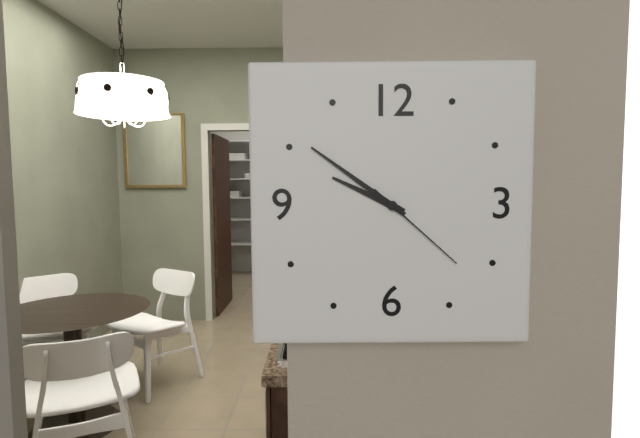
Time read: 9,51,22
